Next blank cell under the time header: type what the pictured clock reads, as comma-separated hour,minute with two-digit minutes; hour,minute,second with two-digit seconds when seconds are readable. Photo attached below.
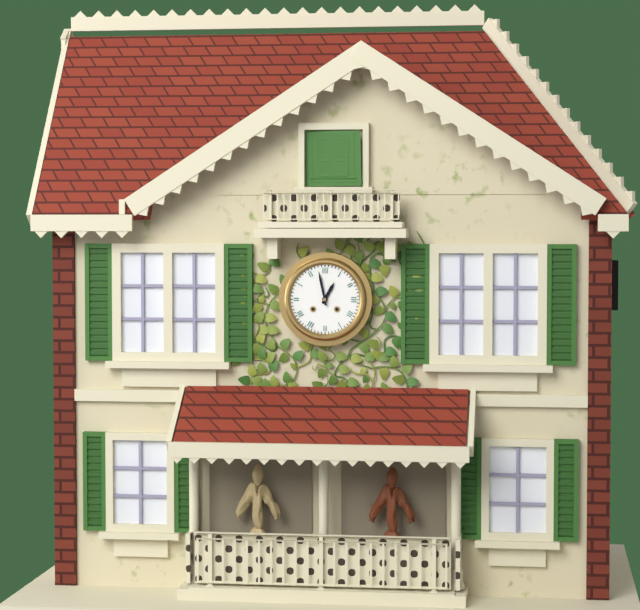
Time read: 12,58
